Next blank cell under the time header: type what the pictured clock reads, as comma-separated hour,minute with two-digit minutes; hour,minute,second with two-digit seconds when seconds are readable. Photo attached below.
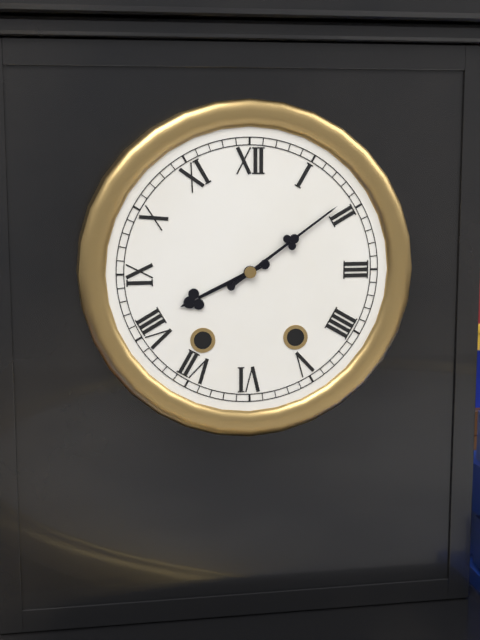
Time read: 8,09
